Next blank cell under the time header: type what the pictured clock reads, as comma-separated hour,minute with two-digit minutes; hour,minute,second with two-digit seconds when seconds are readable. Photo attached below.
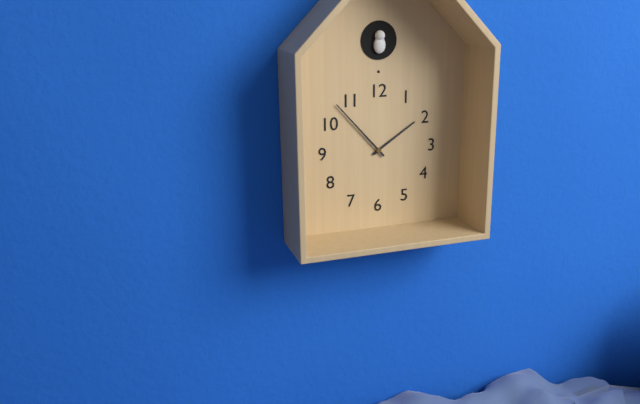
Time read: 1,53
